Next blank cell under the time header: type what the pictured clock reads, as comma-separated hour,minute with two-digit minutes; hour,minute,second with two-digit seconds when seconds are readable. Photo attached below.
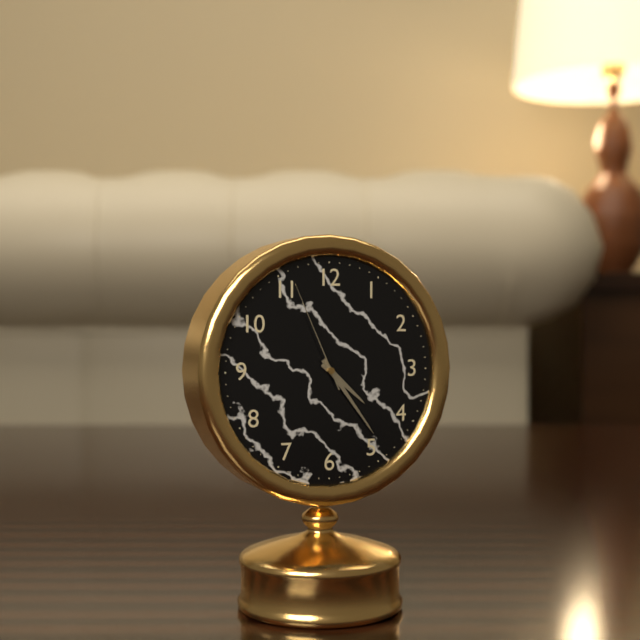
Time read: 4,24,56
